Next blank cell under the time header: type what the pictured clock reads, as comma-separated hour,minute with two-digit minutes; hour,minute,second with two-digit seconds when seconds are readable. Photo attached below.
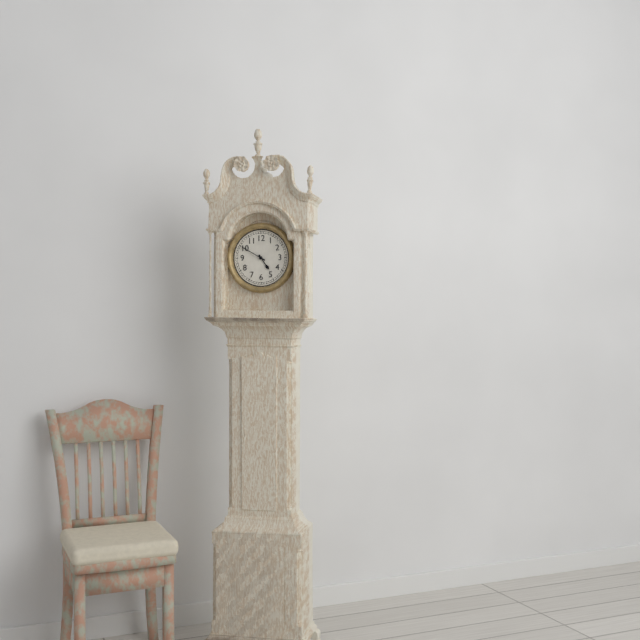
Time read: 4,50
